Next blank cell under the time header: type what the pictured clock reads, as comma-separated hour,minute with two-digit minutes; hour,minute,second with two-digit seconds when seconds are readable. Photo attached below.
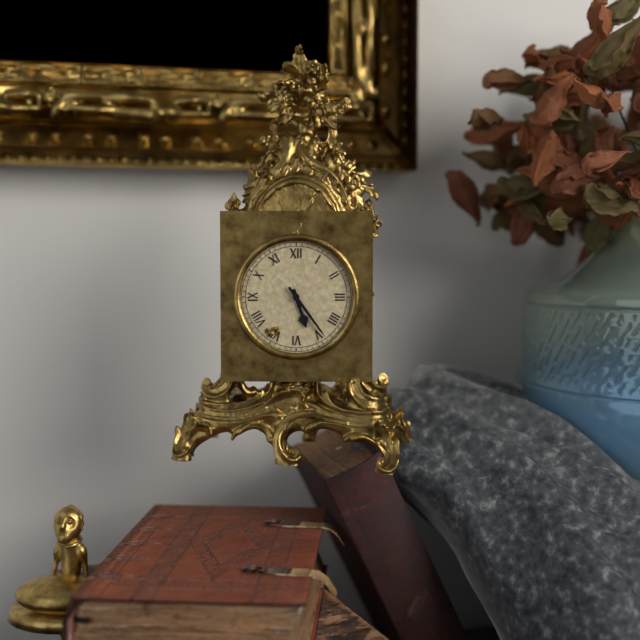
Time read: 5,24
